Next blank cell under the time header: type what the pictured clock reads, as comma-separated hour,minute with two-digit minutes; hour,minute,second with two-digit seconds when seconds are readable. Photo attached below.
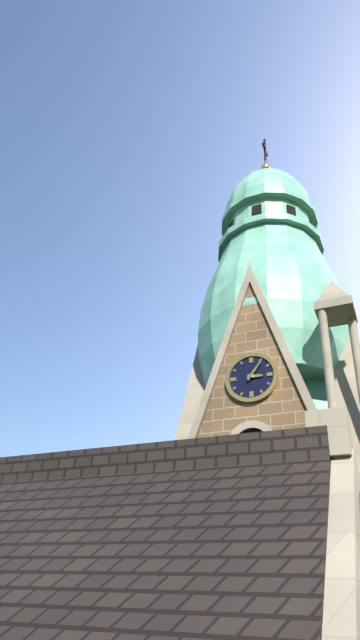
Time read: 3,06
